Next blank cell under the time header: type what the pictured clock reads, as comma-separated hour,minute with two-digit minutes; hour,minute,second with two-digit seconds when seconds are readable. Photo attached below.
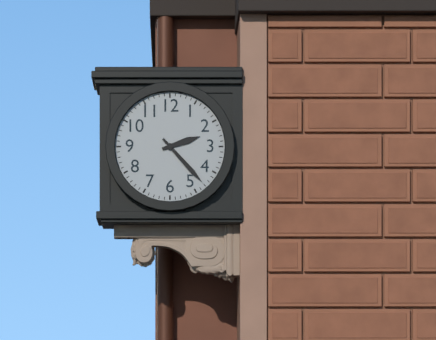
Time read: 2,23
